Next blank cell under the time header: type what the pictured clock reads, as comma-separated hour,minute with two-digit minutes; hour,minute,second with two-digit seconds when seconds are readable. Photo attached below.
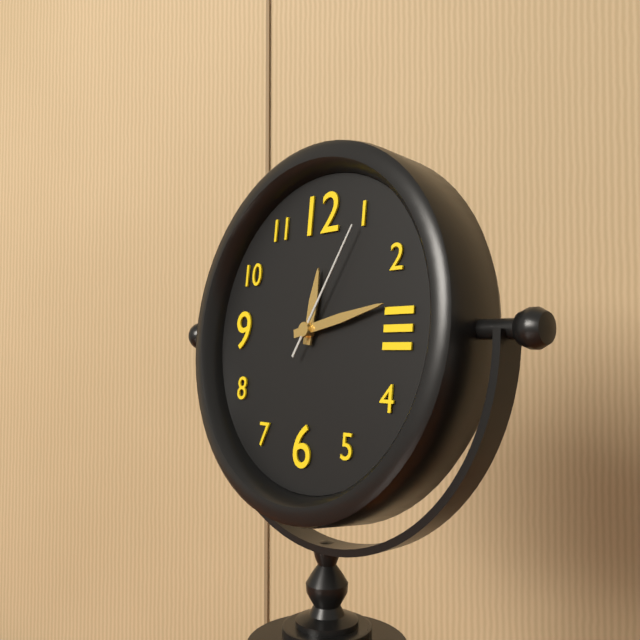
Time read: 12,13,05
